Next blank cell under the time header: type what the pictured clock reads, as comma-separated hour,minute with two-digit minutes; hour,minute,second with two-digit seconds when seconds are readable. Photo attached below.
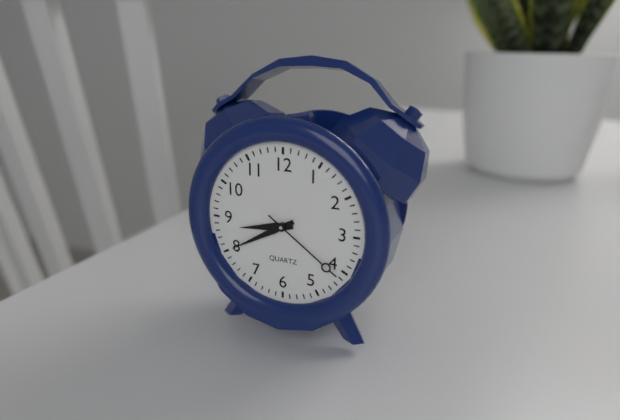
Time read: 8,40,21
